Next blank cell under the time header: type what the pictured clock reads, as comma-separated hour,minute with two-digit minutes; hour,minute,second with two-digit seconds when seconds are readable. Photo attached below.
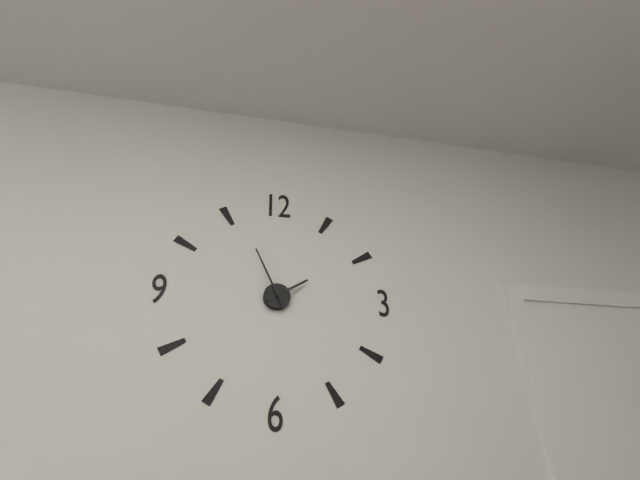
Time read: 1,56
